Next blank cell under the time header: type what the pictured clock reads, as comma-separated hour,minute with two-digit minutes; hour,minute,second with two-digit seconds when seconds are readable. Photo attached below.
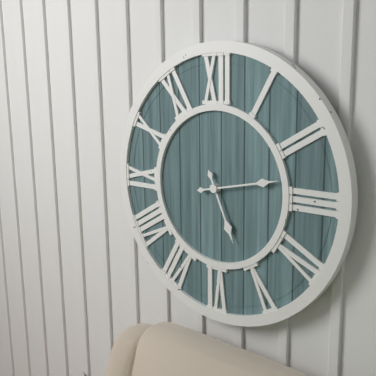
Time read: 5,13
